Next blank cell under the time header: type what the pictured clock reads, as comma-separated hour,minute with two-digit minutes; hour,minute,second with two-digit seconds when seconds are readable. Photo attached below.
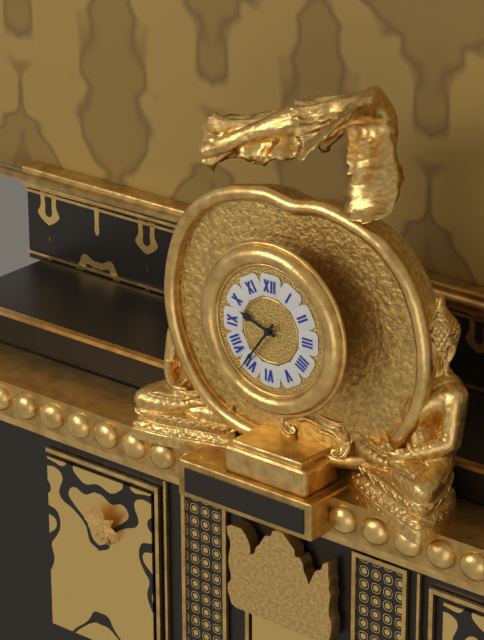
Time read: 9,36
